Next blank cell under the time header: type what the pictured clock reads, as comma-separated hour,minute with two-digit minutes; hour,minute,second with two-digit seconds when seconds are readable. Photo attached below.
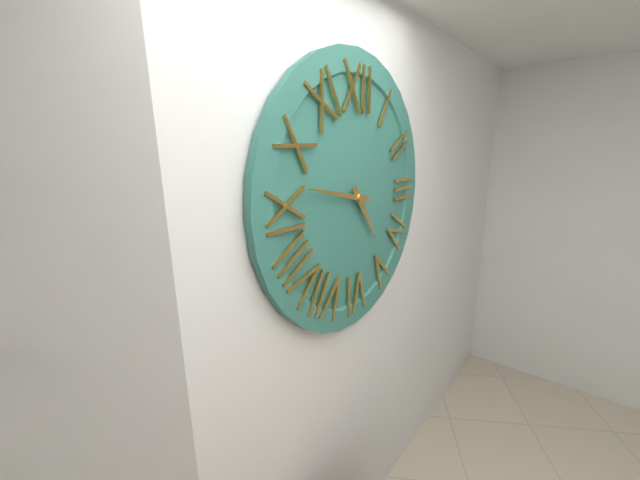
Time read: 4,47
